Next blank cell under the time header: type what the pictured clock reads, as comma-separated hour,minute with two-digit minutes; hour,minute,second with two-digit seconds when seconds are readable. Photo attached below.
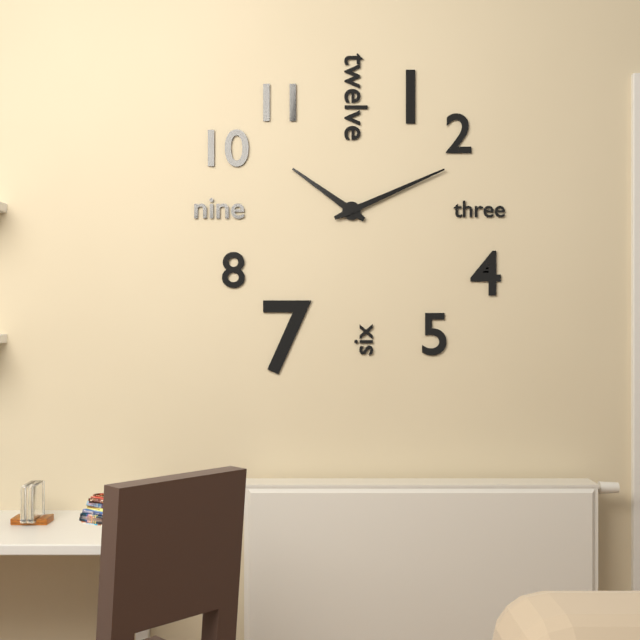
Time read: 10,11
